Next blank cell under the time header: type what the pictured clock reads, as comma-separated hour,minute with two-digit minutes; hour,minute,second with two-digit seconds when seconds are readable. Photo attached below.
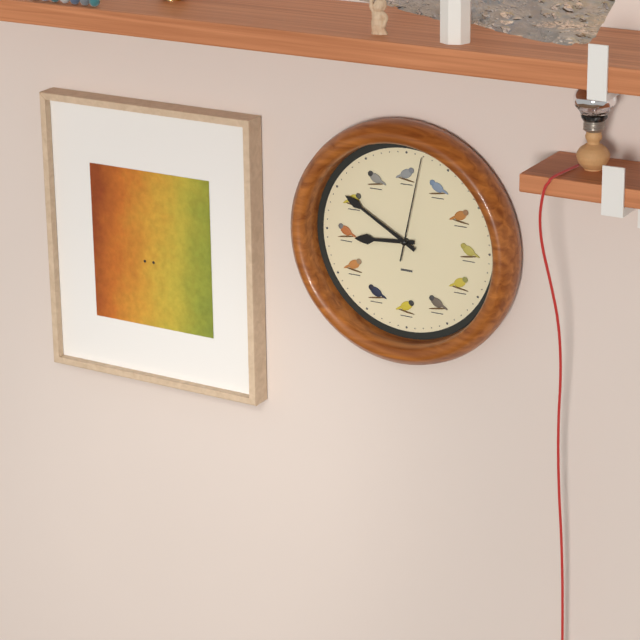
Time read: 8,50,02
